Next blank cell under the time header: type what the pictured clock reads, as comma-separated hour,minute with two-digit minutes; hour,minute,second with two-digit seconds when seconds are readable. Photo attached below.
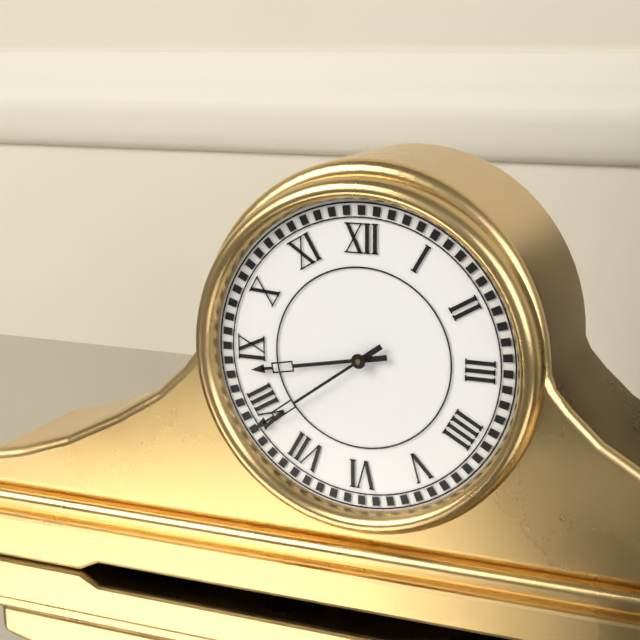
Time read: 8,39
